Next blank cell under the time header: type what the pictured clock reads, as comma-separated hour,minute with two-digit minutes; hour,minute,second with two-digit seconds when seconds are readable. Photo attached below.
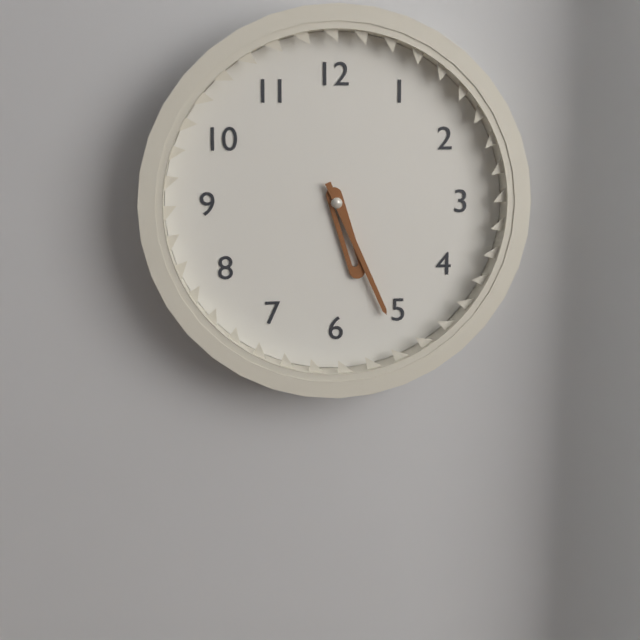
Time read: 5,26
